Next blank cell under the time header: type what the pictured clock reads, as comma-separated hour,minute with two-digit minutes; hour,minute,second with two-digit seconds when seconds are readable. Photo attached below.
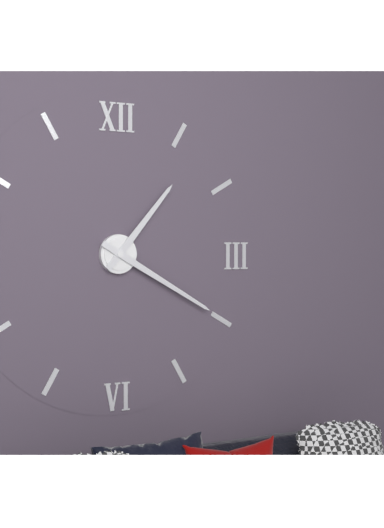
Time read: 1,20
